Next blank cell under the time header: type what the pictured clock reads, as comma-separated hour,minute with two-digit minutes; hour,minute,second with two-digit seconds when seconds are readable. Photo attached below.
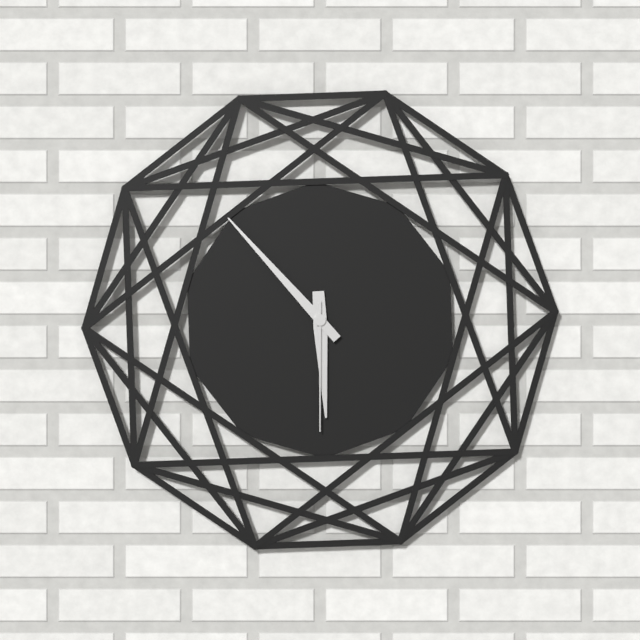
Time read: 5,53,30
